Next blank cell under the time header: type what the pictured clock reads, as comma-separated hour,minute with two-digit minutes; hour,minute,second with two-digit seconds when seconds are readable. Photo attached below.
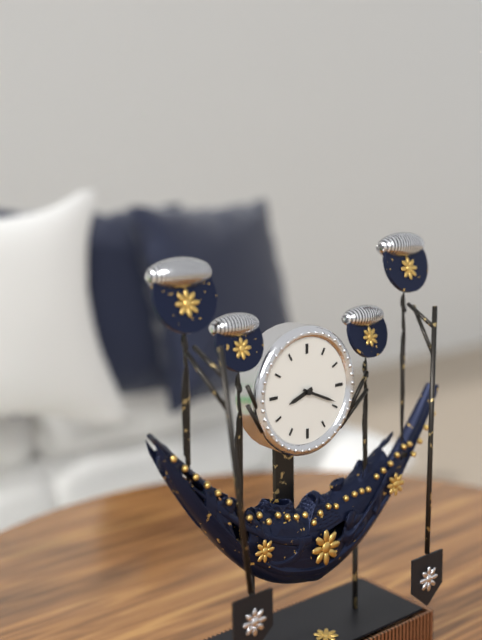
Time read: 8,19
